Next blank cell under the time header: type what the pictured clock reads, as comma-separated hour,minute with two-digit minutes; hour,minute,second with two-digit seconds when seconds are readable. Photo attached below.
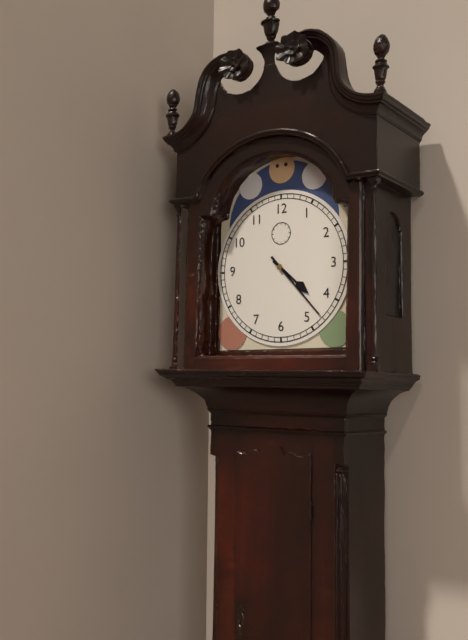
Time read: 4,23
